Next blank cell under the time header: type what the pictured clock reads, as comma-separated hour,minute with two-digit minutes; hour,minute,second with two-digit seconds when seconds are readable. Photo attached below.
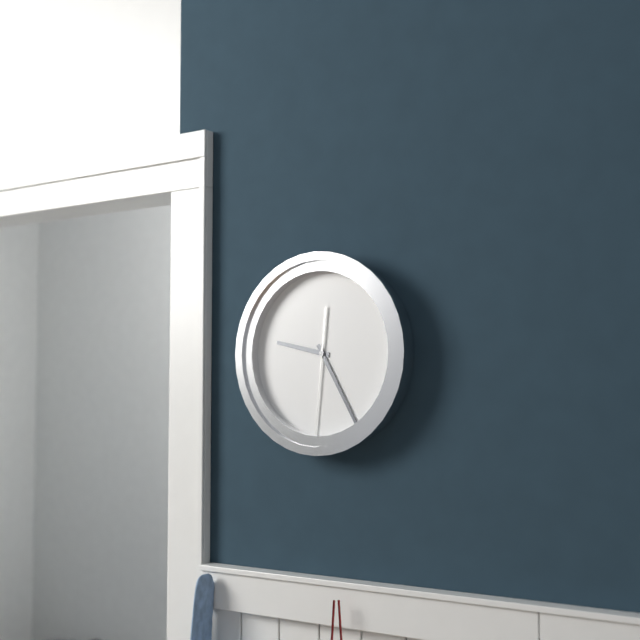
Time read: 9,25,31
